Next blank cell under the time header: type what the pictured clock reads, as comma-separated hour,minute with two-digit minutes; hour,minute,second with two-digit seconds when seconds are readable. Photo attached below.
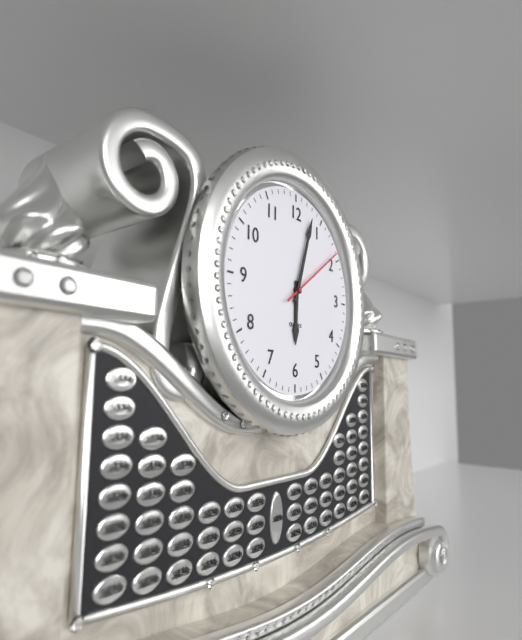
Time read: 6,03,09
